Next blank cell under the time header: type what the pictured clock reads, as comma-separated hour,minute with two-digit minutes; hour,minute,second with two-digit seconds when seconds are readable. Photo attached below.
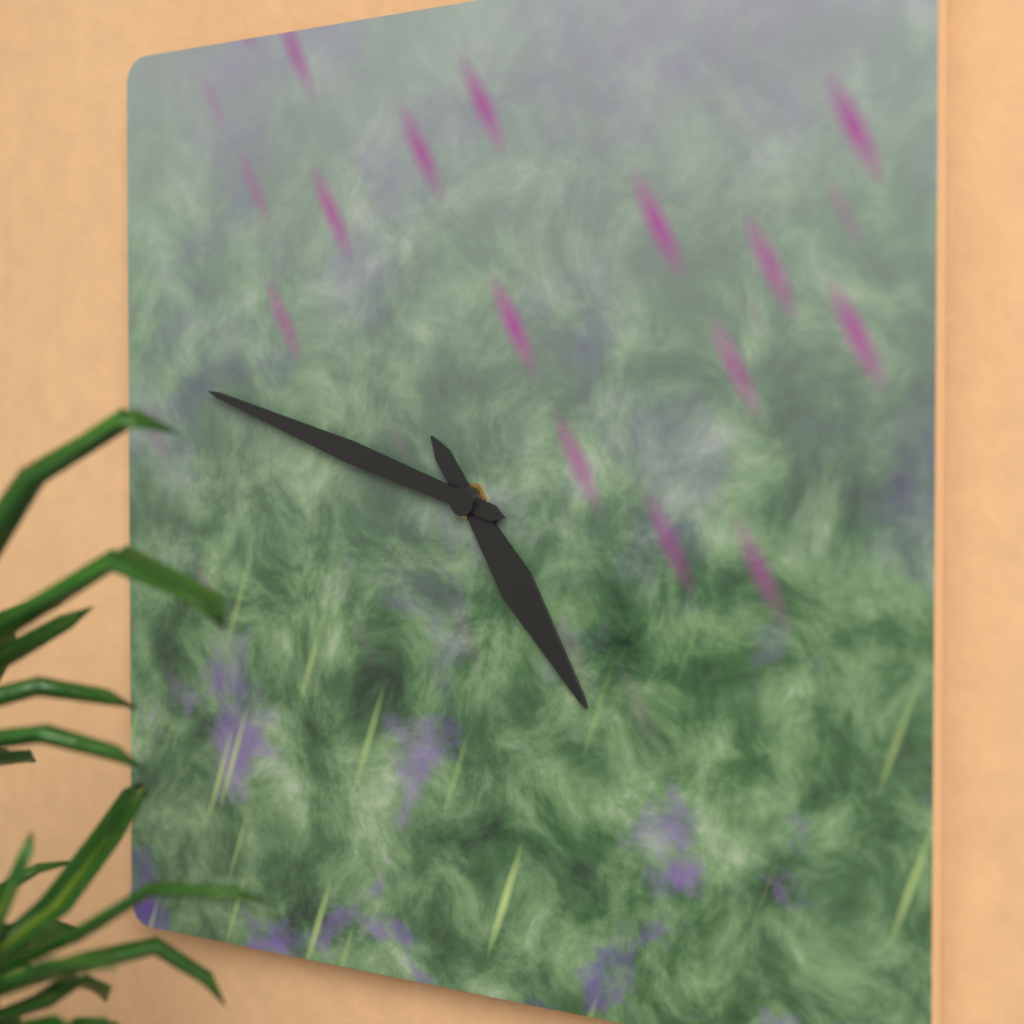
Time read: 4,48
